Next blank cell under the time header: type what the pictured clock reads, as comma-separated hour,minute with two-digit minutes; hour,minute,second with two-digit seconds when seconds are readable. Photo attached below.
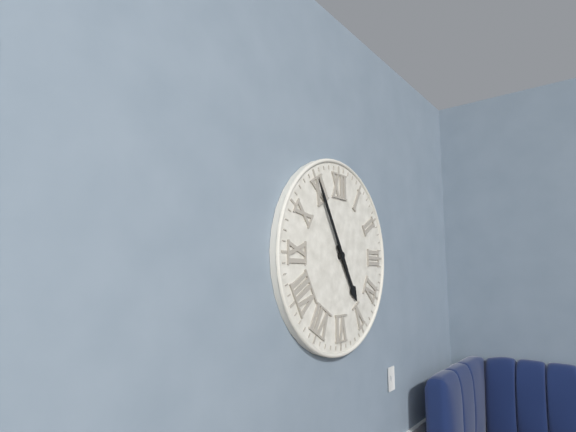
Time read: 4,55
